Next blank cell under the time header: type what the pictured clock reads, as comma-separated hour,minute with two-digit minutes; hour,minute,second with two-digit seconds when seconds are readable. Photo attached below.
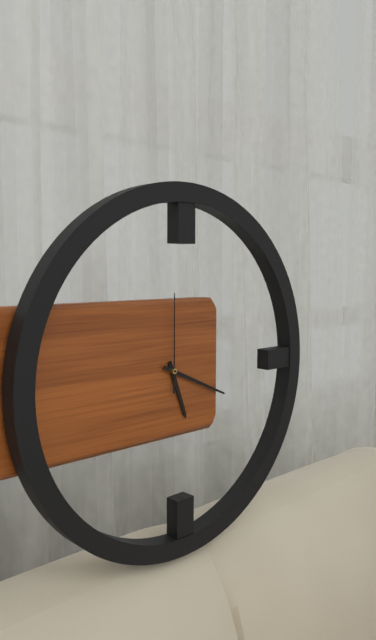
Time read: 5,19,00
